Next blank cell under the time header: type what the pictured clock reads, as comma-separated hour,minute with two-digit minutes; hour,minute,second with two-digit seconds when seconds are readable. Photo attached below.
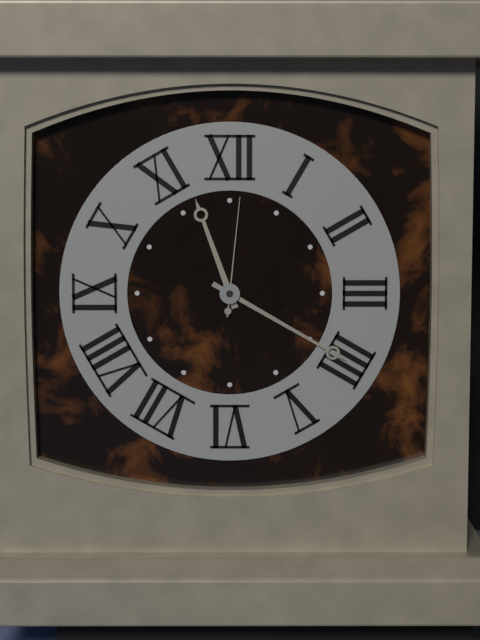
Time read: 11,20,01
